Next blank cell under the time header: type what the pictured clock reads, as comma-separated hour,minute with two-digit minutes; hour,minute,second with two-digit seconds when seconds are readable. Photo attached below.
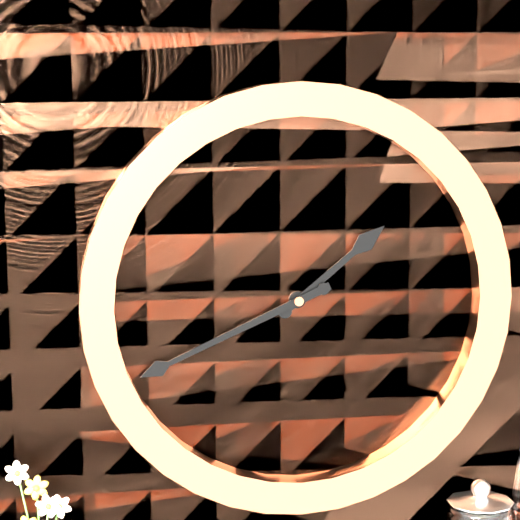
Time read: 1,41
